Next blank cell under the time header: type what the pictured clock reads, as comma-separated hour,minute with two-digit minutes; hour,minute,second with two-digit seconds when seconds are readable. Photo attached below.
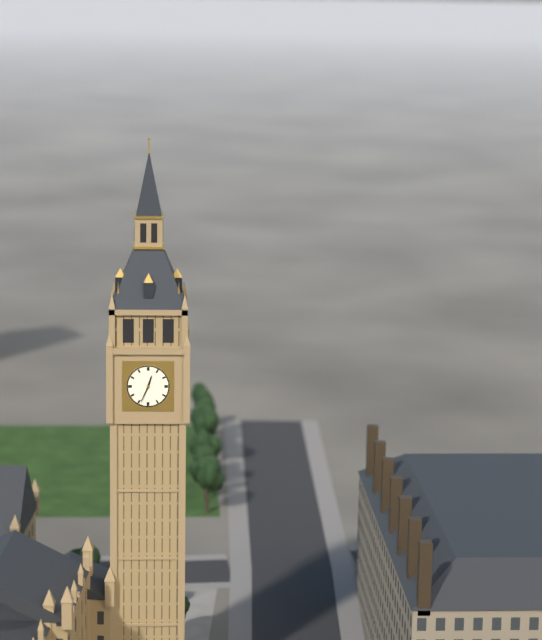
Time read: 12,34
